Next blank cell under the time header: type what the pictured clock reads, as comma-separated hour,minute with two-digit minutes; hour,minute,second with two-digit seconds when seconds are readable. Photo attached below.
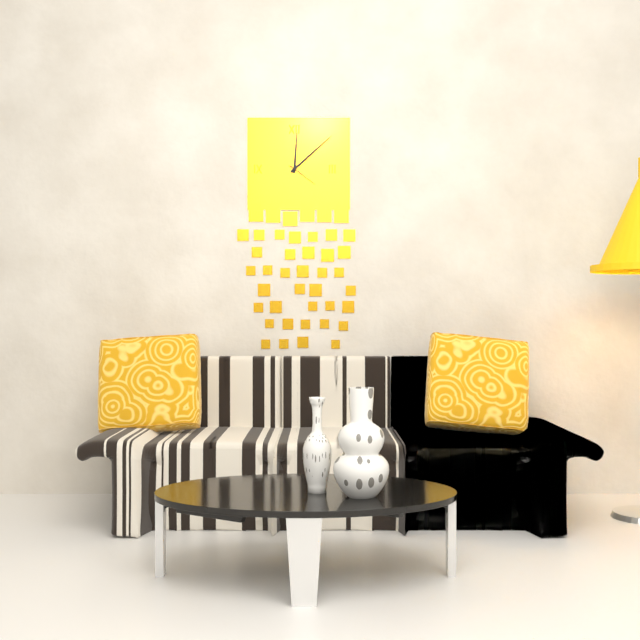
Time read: 12,08
